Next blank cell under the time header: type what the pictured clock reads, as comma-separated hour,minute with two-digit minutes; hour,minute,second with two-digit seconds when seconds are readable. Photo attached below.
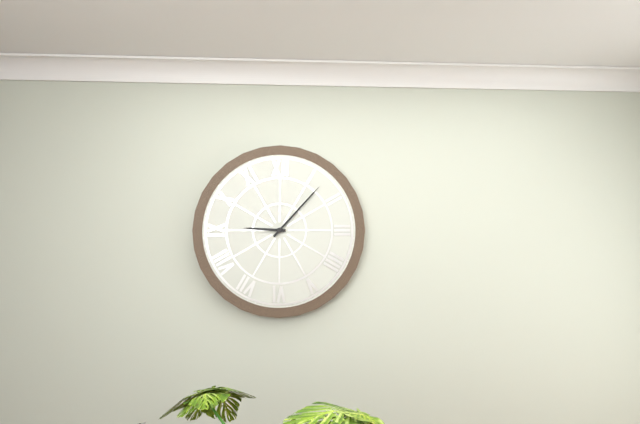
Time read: 9,07
